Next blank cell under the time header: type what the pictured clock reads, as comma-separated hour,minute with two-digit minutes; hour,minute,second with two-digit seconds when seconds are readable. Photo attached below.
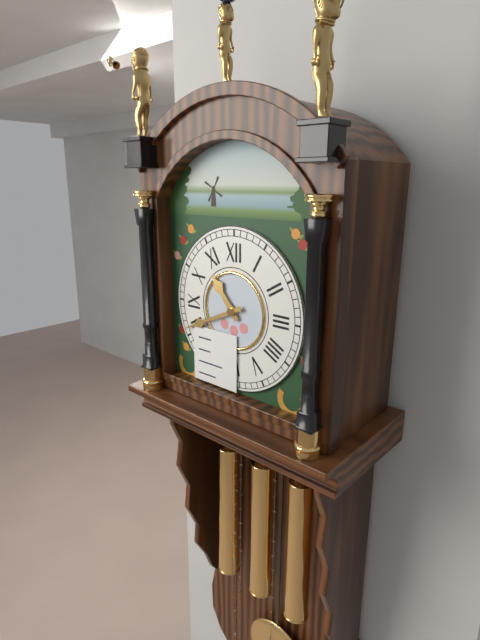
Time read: 10,41
